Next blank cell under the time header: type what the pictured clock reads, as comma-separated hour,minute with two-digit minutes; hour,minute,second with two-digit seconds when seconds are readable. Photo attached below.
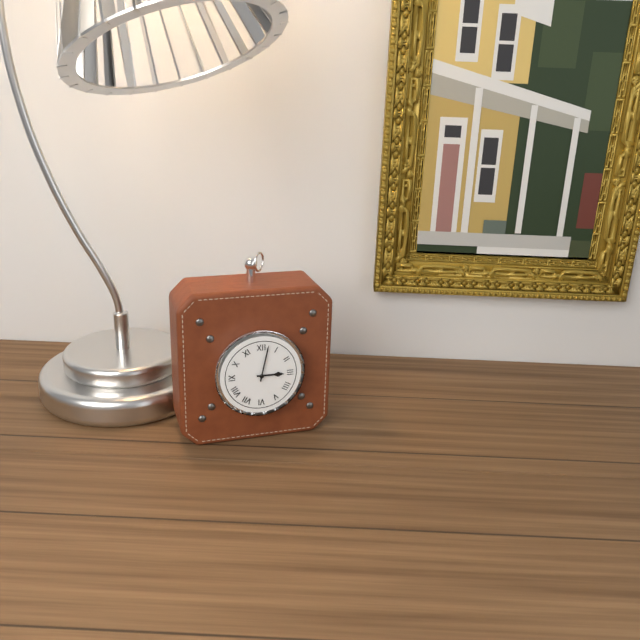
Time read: 3,02
